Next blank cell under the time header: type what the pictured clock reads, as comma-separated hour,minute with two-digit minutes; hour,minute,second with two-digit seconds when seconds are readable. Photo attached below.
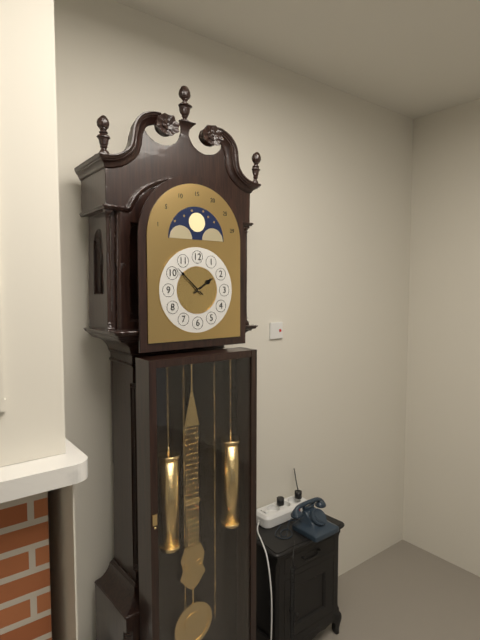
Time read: 1,52
